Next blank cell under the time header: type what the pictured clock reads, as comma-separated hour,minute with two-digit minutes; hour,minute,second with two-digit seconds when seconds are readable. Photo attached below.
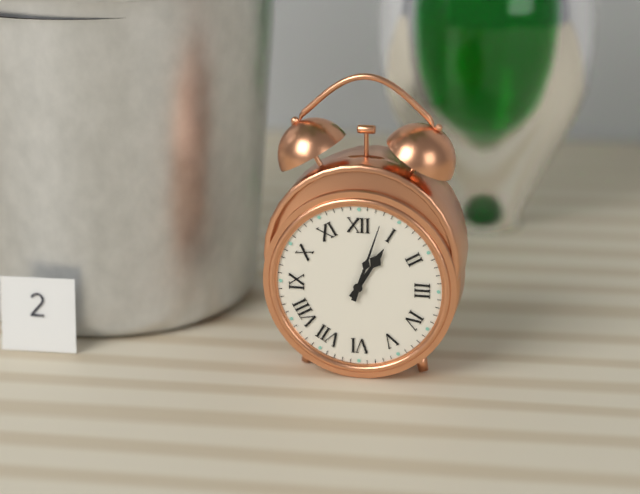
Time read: 1,03
